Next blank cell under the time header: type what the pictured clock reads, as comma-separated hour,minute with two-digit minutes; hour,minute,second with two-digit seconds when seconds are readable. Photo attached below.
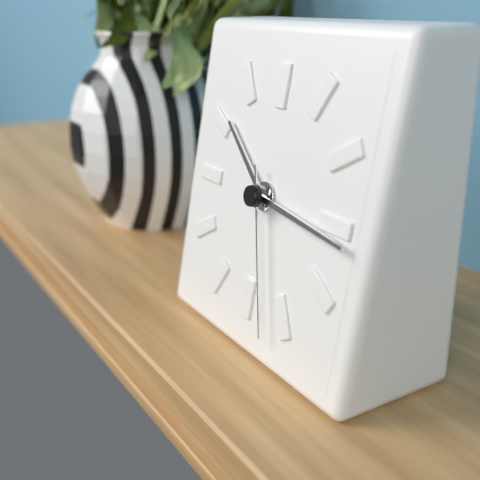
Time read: 10,16,27
